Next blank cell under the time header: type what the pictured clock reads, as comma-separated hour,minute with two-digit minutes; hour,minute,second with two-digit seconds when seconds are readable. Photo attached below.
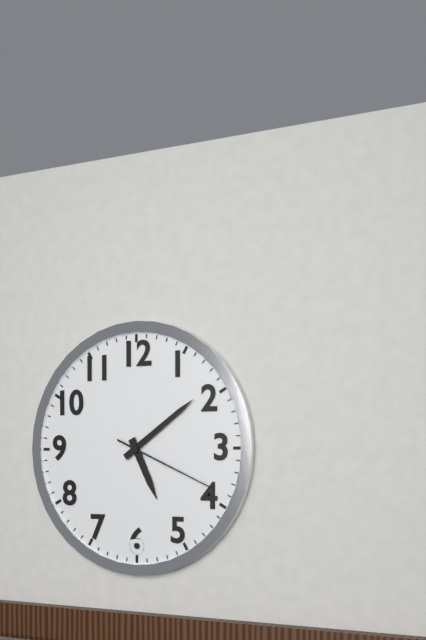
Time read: 5,09,19
